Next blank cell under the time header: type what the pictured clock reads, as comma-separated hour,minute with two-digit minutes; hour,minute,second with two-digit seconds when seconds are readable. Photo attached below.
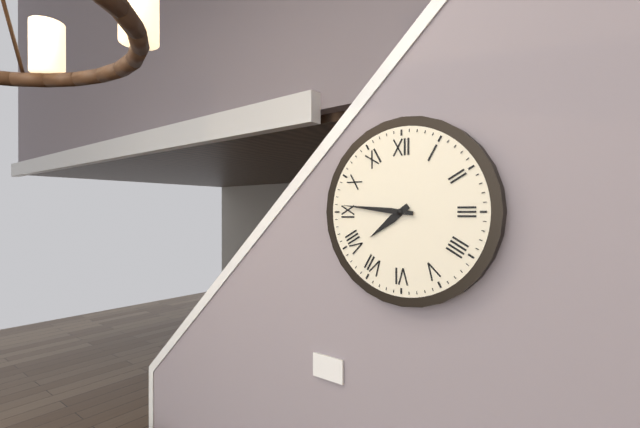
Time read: 7,46
